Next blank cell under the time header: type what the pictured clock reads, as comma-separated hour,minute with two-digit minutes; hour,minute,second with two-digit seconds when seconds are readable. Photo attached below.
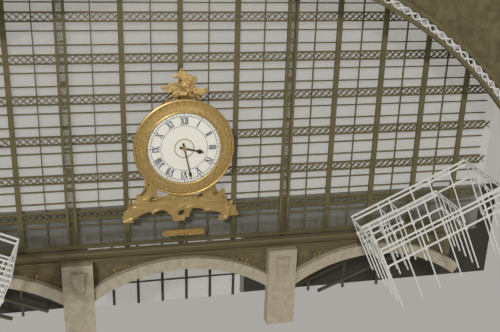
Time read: 3,28
